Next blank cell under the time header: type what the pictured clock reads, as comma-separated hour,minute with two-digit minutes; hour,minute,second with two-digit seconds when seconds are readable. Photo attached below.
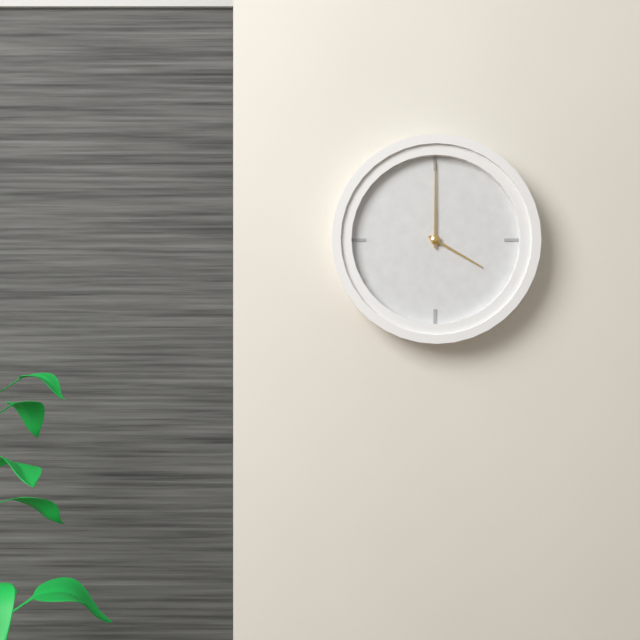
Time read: 4,00
